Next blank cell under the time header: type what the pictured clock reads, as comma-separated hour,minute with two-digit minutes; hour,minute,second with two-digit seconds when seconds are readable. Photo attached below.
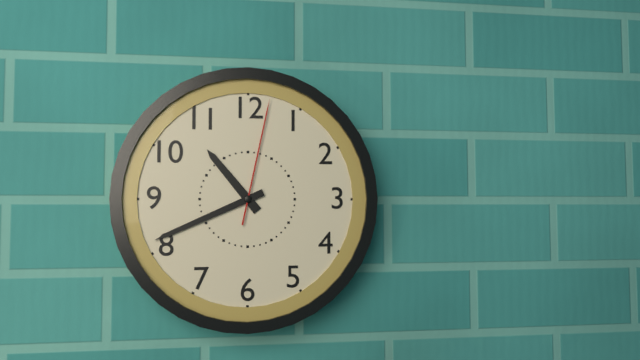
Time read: 10,41,02
